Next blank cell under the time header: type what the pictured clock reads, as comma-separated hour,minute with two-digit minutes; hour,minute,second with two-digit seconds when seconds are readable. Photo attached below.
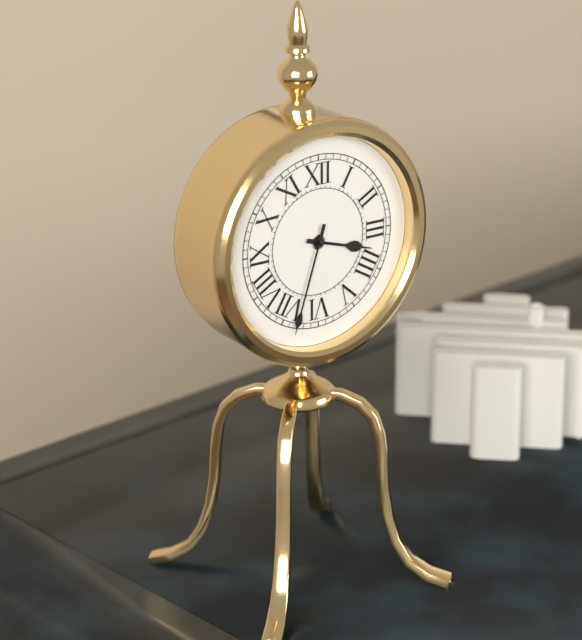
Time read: 3,33
